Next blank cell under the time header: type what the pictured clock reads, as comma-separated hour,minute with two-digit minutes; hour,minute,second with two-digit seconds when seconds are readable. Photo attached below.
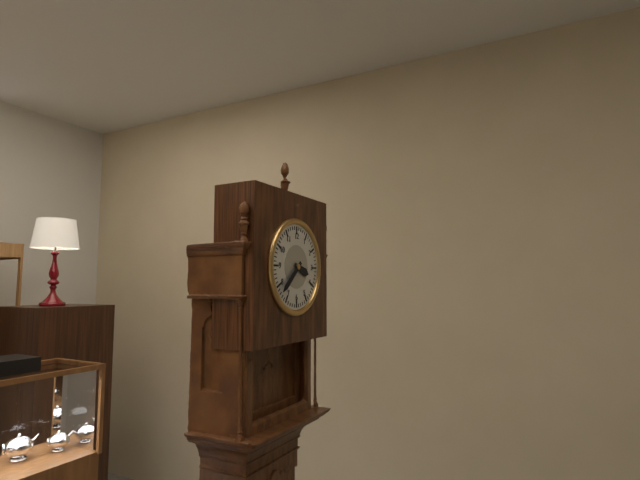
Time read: 3,38
